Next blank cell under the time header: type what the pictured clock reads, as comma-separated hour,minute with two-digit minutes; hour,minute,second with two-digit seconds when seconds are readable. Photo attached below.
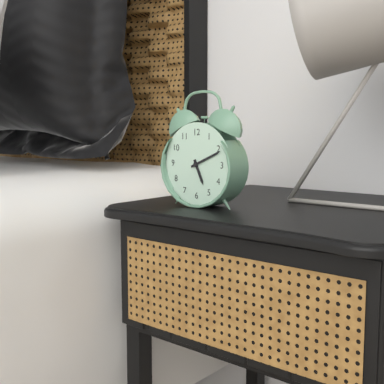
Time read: 5,11
